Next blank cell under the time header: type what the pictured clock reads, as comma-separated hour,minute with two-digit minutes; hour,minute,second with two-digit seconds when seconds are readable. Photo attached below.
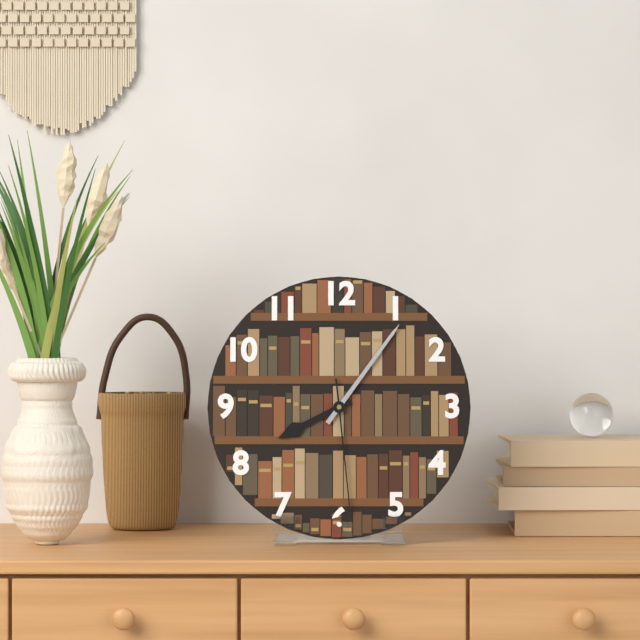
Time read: 8,06,29
